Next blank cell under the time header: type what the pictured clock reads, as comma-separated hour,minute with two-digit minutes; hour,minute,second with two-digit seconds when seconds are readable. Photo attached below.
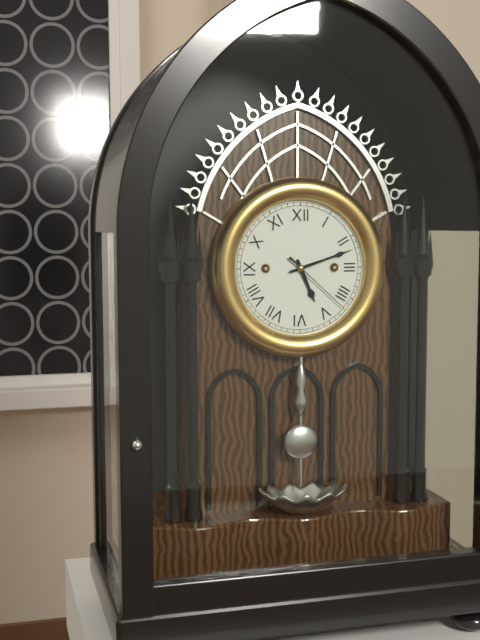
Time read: 5,12,22
